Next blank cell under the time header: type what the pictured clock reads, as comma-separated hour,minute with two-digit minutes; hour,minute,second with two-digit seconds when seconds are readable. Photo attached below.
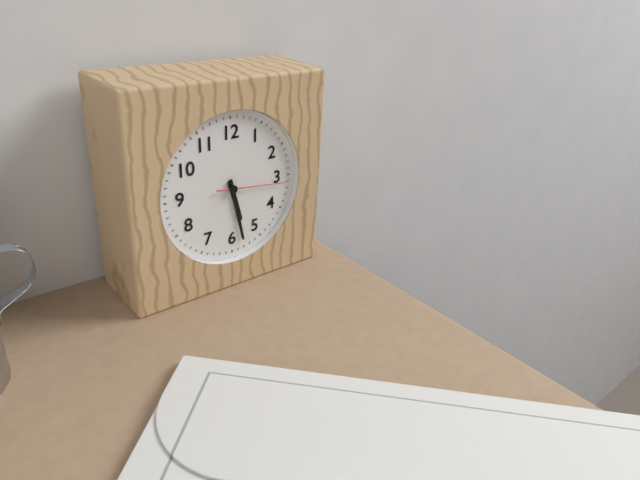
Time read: 5,28,16
